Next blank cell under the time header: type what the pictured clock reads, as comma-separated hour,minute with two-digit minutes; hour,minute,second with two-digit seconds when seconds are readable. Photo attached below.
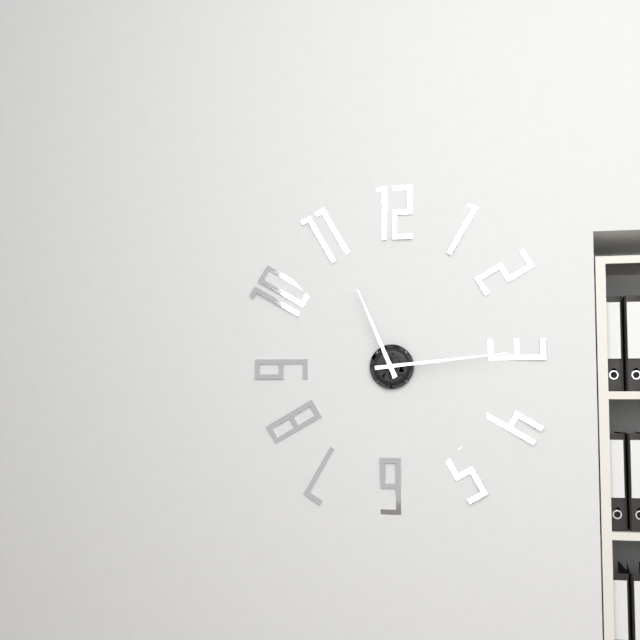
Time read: 11,14
